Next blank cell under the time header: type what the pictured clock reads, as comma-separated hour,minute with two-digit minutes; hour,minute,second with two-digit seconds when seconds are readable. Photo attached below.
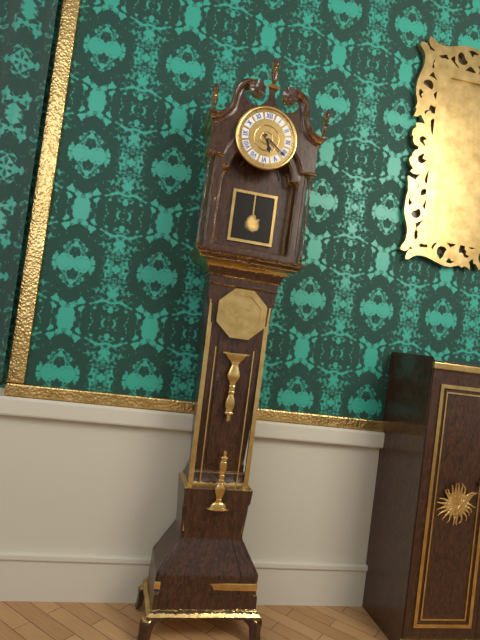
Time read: 5,21
